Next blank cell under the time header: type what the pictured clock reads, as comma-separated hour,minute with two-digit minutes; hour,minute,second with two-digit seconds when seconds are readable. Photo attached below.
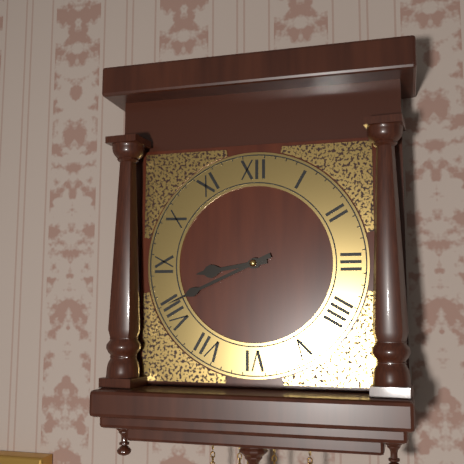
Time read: 8,41
